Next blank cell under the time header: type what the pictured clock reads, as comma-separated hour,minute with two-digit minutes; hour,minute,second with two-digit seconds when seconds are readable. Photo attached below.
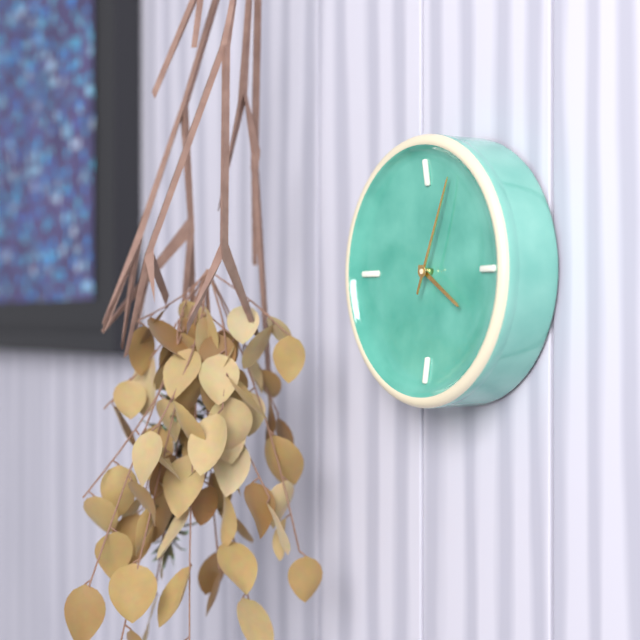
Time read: 4,04
